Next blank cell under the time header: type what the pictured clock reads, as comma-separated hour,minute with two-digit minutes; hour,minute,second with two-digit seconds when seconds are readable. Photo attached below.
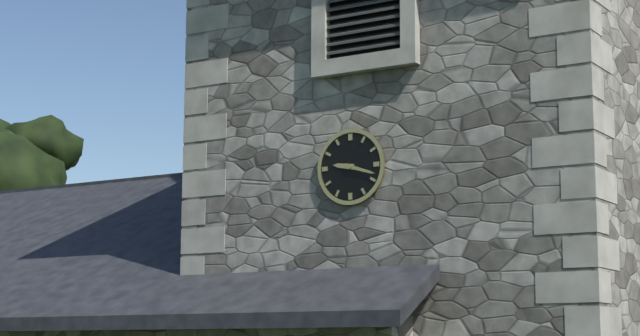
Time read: 9,18
